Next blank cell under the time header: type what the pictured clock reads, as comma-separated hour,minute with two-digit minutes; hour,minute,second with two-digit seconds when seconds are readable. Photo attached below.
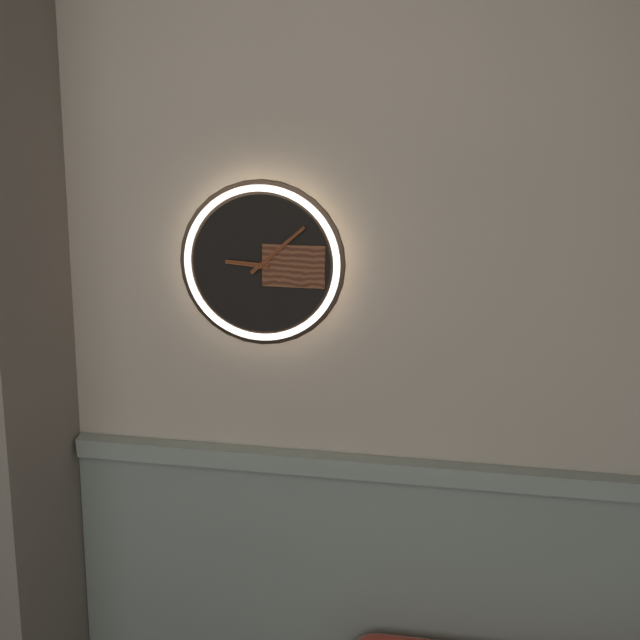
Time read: 9,08
